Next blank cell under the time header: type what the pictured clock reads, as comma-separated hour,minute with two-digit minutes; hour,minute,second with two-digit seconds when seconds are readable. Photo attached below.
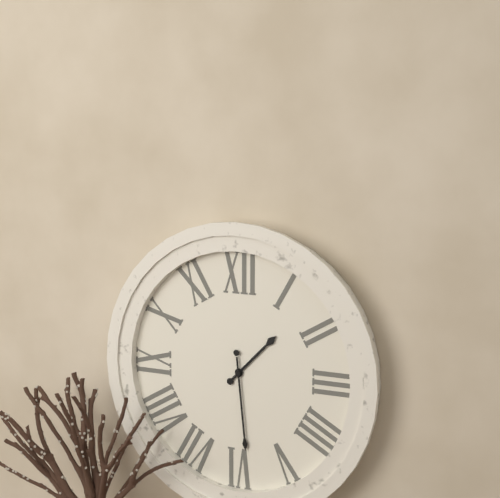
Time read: 1,29
